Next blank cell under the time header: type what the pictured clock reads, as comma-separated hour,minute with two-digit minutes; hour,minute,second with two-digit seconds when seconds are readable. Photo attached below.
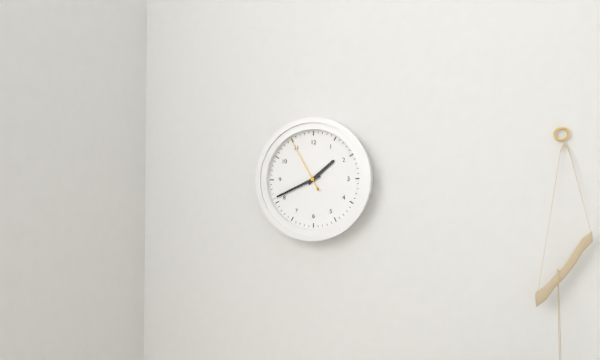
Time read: 1,41,55
